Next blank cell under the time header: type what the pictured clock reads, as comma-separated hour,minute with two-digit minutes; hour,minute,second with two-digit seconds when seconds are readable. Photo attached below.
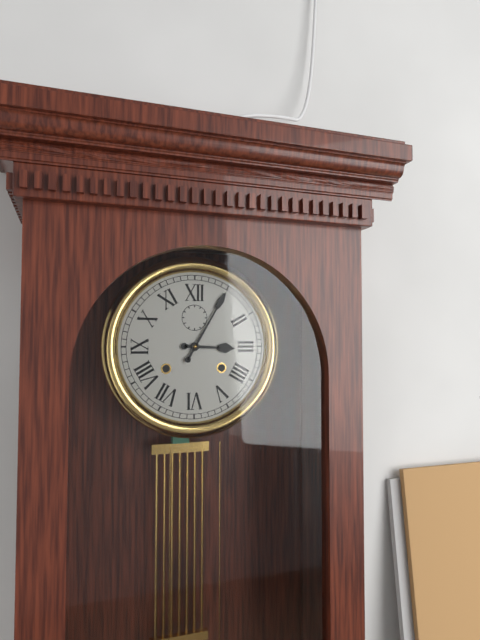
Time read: 3,05
